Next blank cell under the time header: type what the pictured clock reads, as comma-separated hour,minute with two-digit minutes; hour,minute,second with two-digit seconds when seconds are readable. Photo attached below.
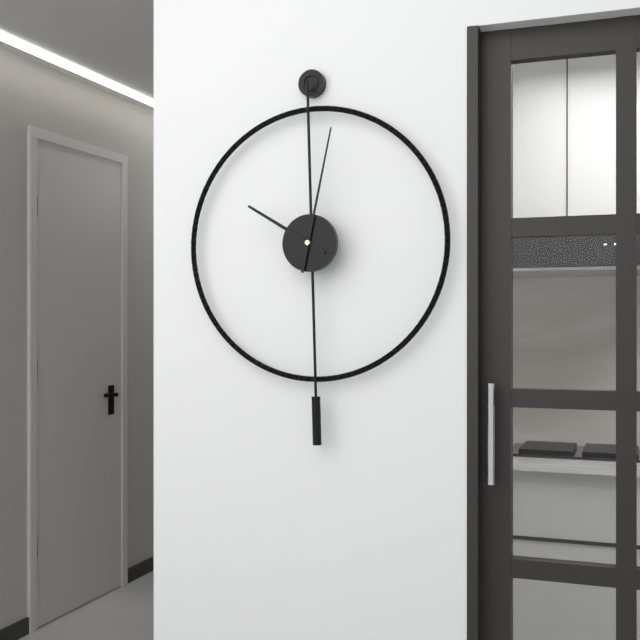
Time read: 10,02
